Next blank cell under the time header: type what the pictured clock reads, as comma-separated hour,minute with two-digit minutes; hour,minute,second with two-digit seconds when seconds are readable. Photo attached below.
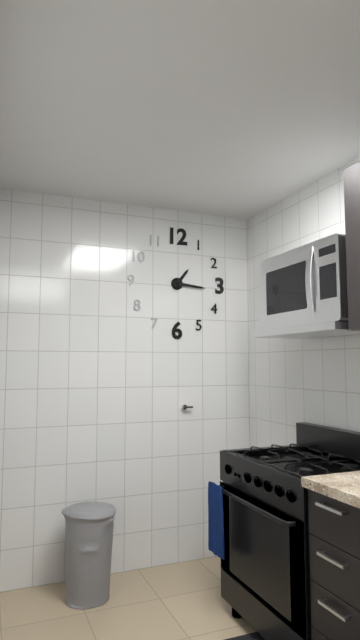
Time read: 1,16
